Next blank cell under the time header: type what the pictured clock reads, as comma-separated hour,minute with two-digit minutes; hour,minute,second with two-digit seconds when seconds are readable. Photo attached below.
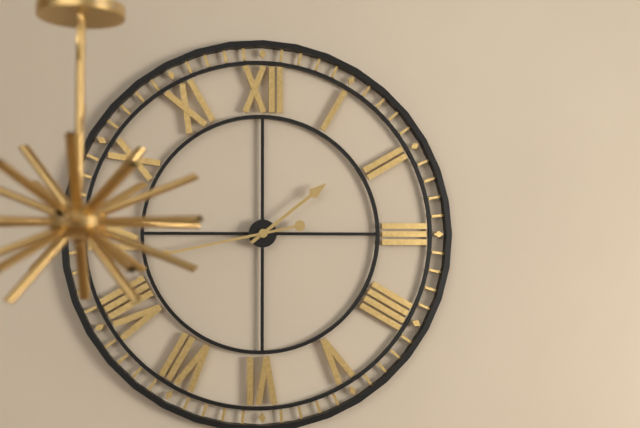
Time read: 1,43
